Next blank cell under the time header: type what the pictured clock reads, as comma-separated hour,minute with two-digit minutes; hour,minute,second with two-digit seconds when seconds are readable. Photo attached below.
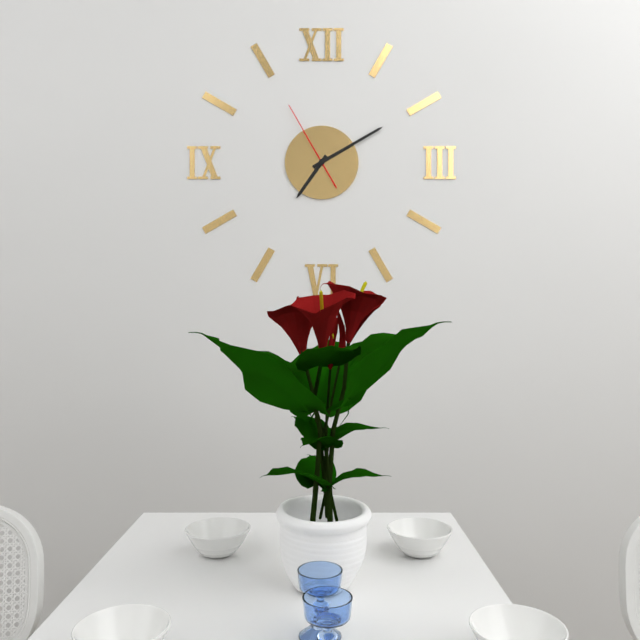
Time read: 7,10,55
